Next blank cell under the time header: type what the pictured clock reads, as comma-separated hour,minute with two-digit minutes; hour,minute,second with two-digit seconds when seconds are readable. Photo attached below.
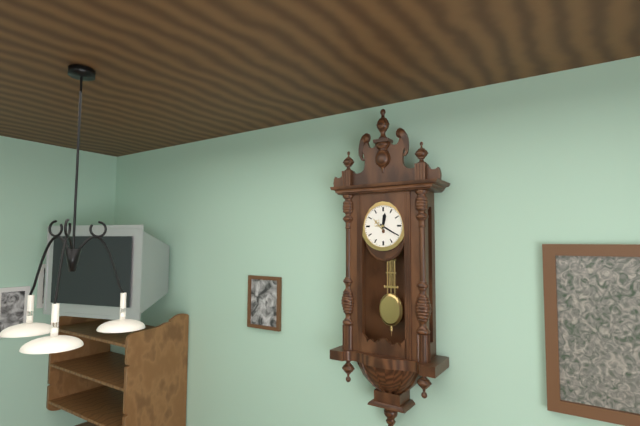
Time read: 12,20
